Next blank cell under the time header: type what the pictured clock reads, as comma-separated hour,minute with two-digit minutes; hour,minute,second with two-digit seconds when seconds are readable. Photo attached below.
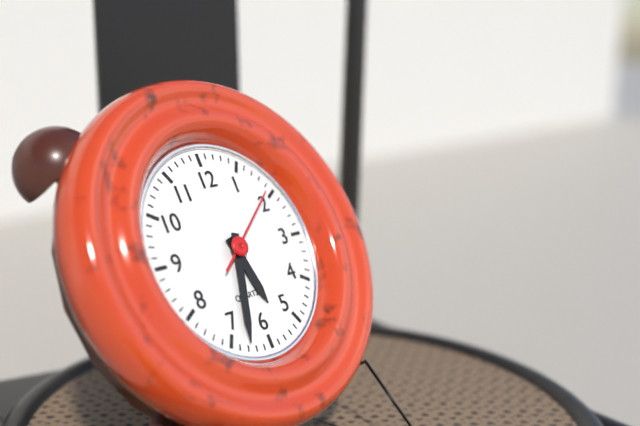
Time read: 5,33,09
